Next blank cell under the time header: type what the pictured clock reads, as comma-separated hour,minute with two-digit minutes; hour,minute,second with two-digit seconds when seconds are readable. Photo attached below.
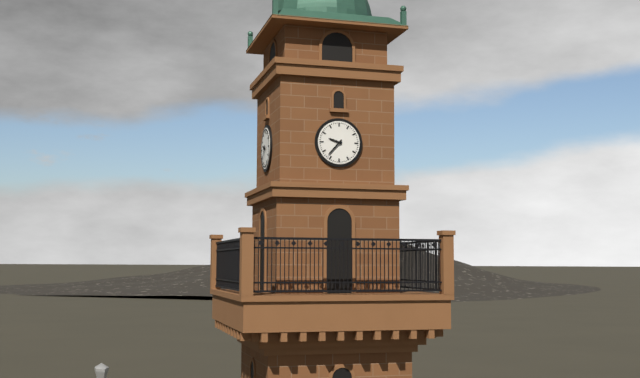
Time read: 9,37
